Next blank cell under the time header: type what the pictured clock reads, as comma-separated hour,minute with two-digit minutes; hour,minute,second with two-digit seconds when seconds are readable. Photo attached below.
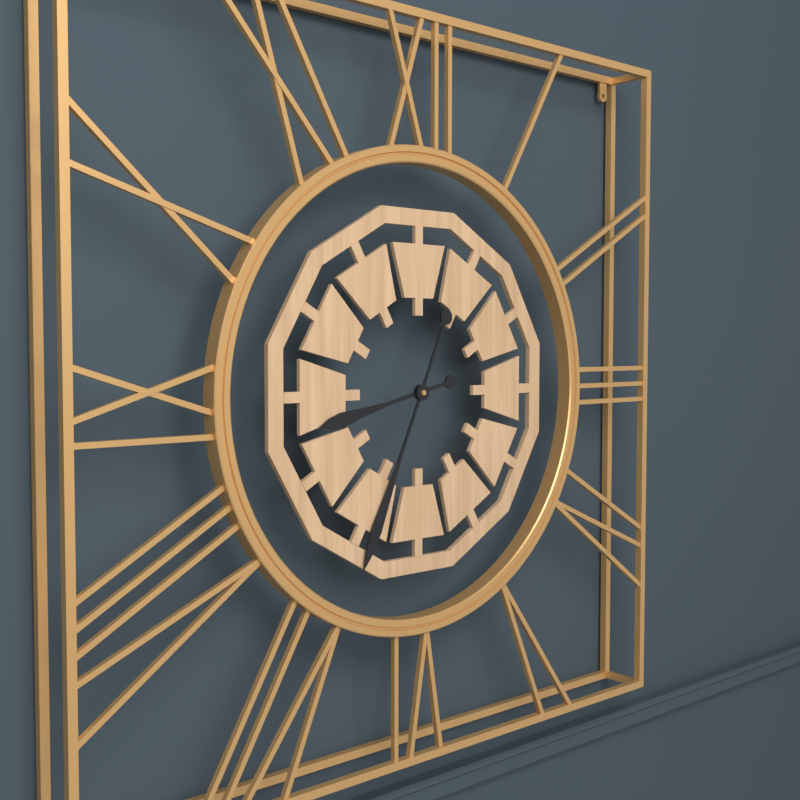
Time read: 8,34
